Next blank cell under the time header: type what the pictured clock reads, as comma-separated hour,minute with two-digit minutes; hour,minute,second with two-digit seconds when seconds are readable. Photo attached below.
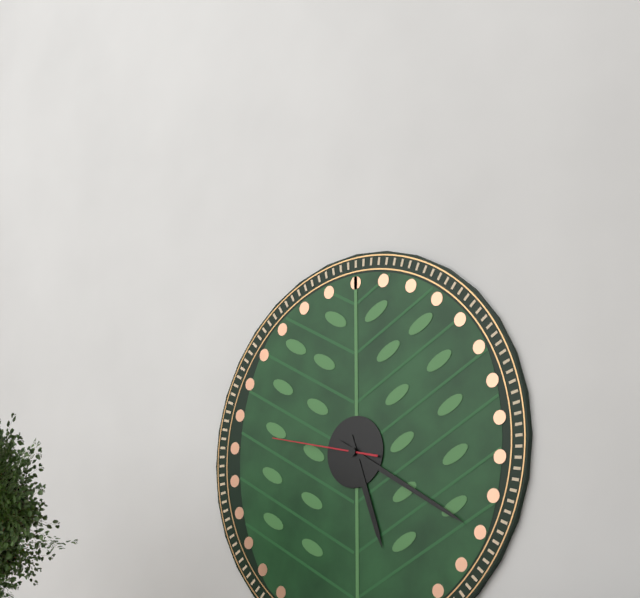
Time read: 5,20,47
